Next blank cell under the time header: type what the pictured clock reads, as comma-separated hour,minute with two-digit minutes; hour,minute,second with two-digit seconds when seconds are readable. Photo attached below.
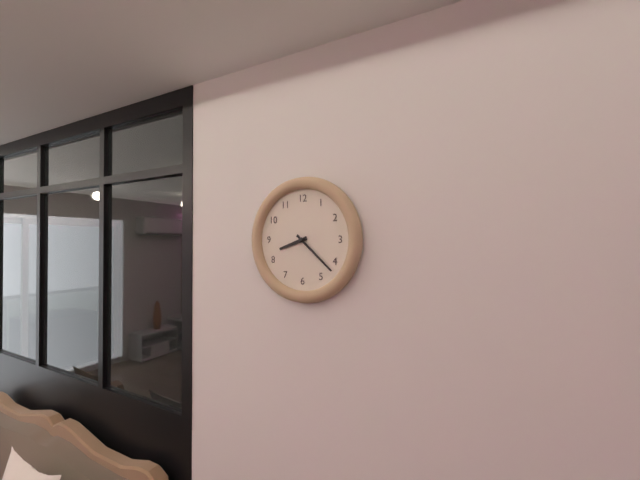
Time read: 8,22
